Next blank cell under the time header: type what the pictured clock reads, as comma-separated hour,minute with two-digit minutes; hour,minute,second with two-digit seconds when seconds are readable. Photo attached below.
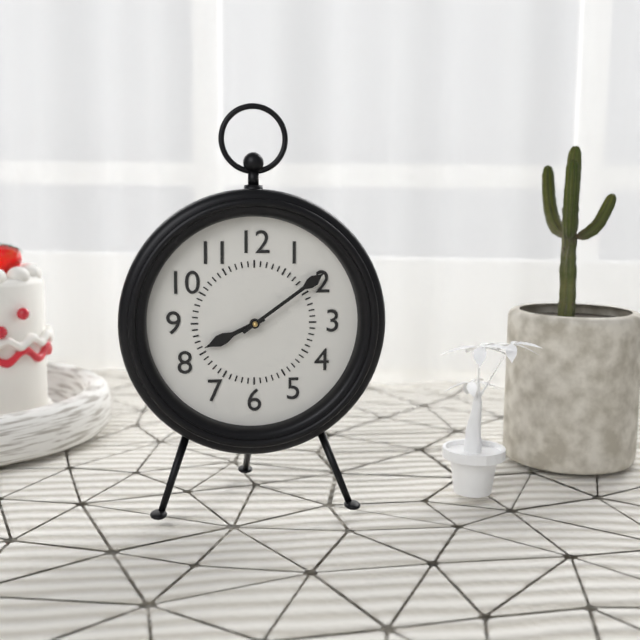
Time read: 8,09
